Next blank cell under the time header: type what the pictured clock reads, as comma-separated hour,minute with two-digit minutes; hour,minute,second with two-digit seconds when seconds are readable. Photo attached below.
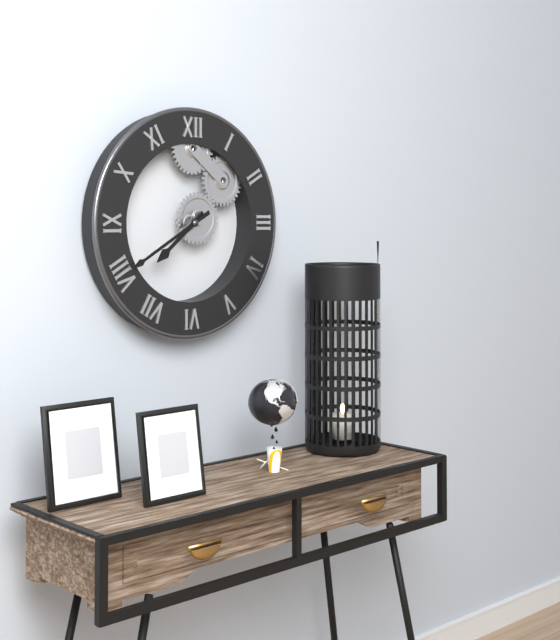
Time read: 7,40
